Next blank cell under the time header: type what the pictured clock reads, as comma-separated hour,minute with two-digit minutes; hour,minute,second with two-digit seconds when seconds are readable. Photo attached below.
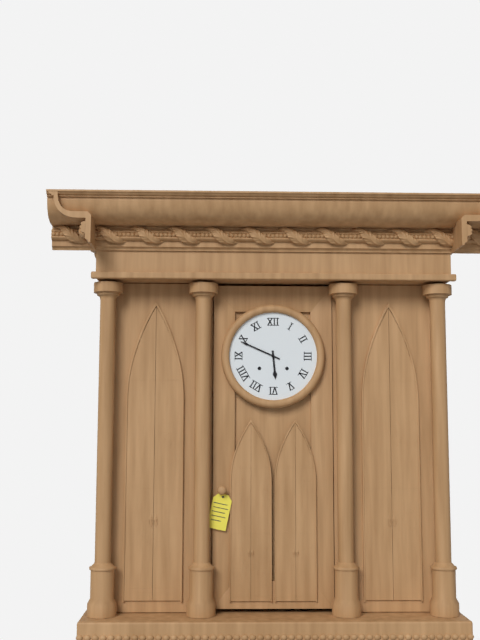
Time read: 5,49
